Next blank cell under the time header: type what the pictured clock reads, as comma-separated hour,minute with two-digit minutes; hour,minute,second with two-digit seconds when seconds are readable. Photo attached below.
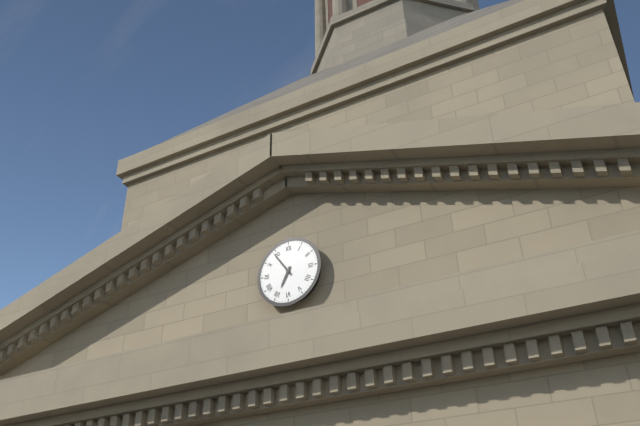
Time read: 6,54
